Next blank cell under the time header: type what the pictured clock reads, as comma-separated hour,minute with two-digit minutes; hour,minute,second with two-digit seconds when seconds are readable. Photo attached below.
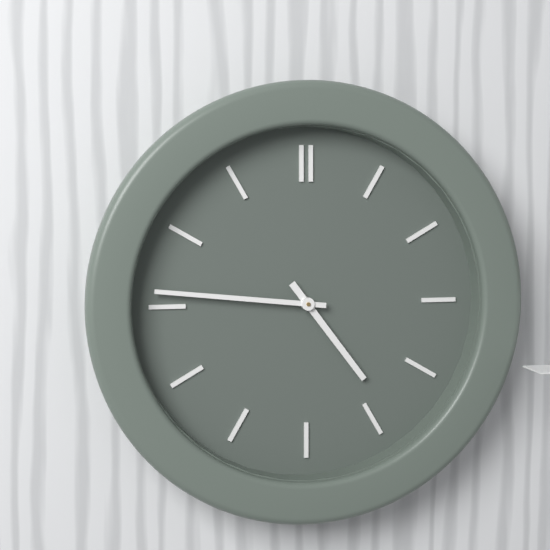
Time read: 4,46
